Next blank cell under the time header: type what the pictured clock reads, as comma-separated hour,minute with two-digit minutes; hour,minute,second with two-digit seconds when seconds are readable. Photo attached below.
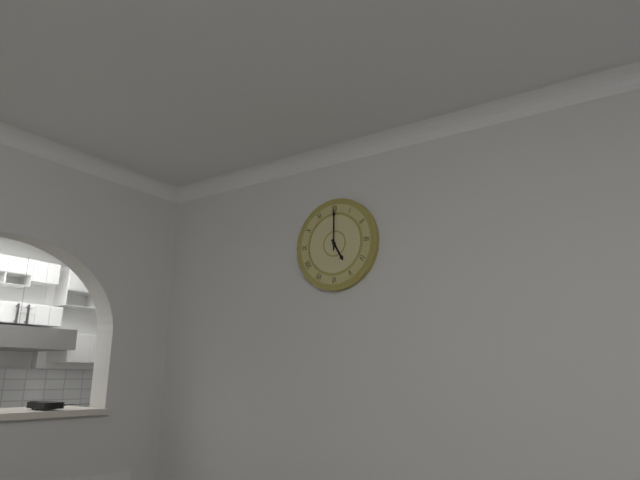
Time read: 5,00
